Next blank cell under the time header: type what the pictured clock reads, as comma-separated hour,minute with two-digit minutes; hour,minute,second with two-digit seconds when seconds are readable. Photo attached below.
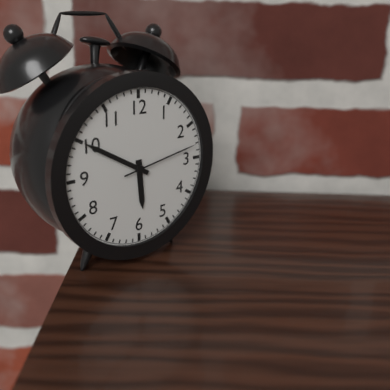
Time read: 5,50,13
